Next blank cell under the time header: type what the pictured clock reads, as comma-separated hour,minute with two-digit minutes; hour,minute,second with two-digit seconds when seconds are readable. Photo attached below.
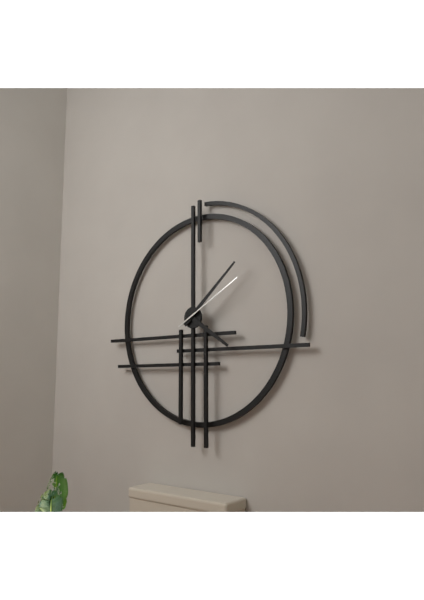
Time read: 4,08,10
